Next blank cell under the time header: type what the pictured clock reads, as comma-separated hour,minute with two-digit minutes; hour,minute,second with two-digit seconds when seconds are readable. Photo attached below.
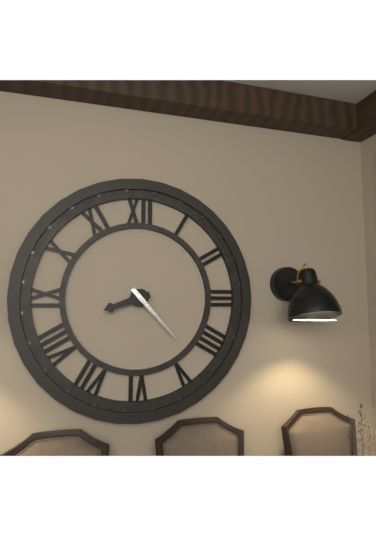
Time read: 8,23
